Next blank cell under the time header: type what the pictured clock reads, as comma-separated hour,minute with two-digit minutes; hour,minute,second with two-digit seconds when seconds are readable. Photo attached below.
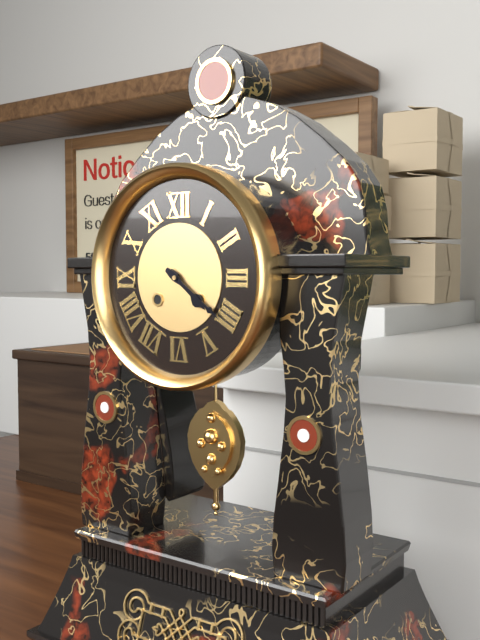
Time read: 4,21
